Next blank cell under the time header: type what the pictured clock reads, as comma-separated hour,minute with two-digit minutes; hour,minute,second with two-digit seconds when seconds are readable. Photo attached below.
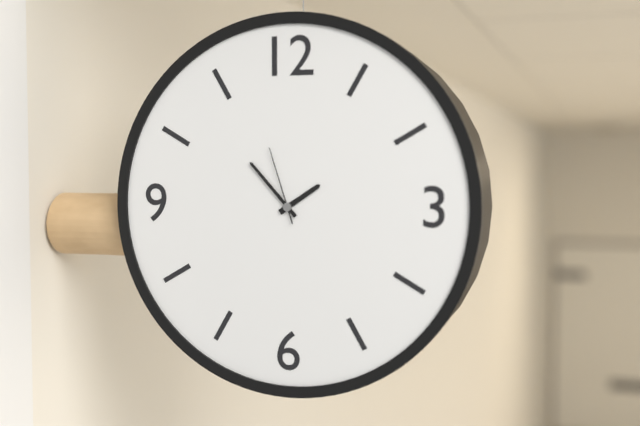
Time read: 1,53,57
